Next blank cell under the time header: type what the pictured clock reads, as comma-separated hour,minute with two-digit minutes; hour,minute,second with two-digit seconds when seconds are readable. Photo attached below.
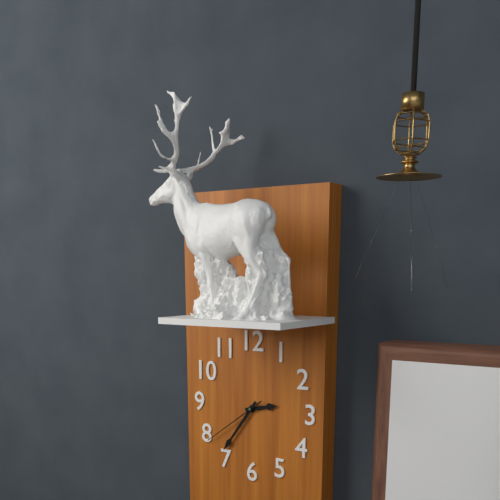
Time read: 2,36,39
